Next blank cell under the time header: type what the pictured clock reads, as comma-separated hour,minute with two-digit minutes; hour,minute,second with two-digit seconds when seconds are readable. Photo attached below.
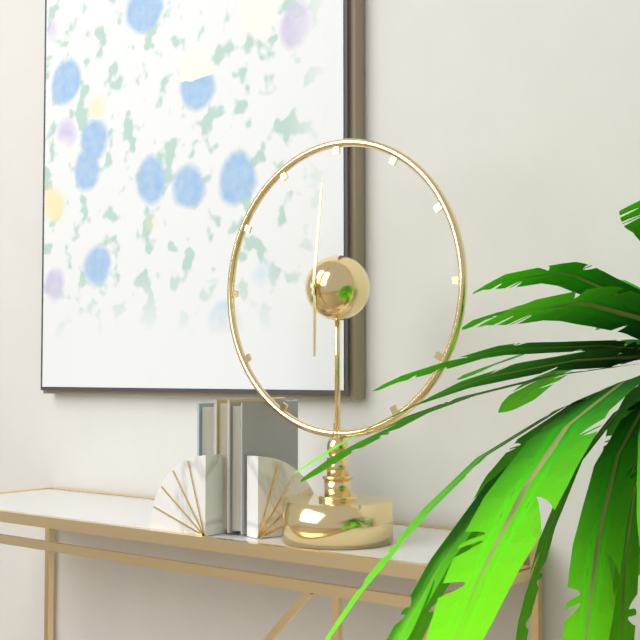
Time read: 6,01
